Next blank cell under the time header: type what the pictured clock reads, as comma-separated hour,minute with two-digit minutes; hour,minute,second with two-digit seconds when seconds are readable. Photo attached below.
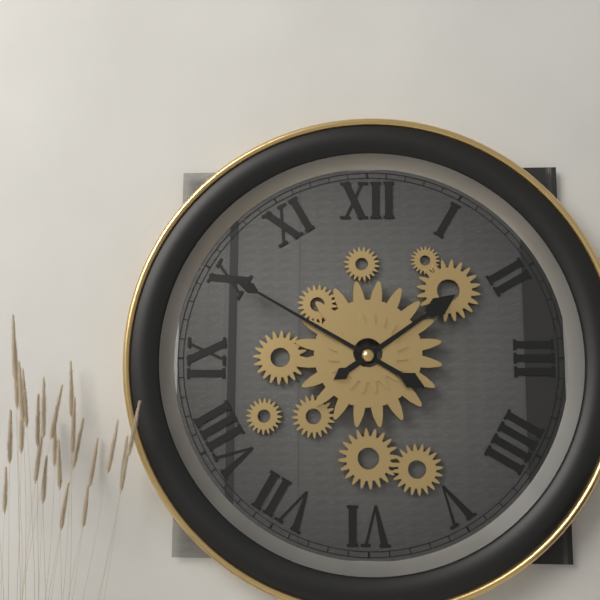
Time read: 1,50
